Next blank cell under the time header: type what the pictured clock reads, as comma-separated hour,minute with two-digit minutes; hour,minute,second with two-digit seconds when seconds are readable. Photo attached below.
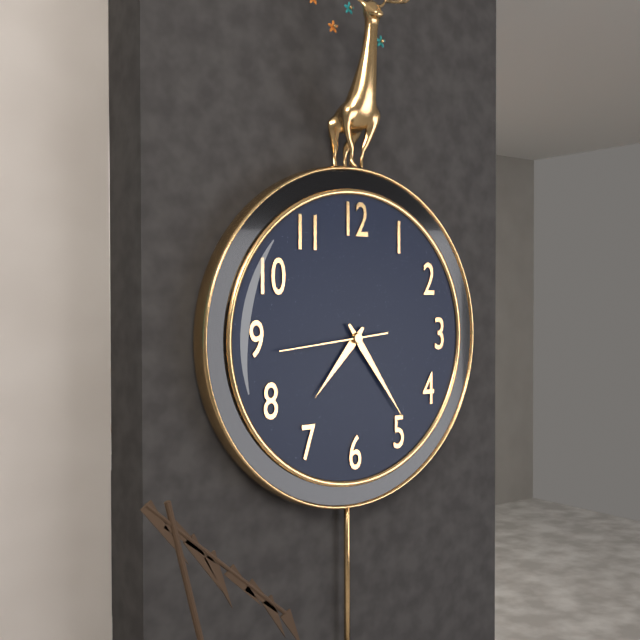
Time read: 7,24,44
